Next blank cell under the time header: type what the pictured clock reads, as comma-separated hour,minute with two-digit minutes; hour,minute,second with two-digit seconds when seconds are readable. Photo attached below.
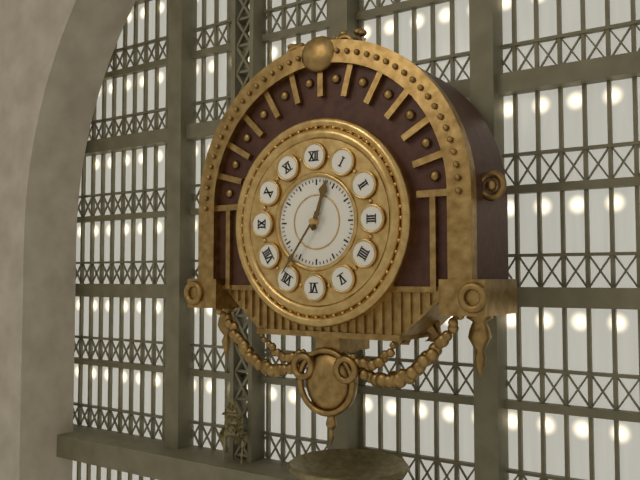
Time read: 12,36
